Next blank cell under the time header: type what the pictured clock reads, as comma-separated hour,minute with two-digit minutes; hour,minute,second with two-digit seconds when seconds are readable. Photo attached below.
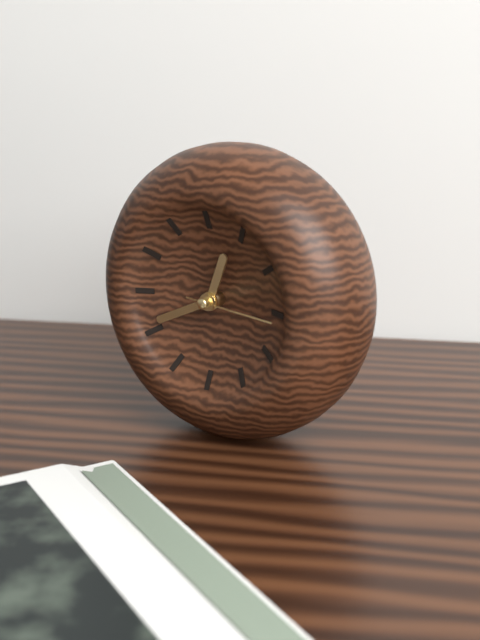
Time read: 12,41,16
